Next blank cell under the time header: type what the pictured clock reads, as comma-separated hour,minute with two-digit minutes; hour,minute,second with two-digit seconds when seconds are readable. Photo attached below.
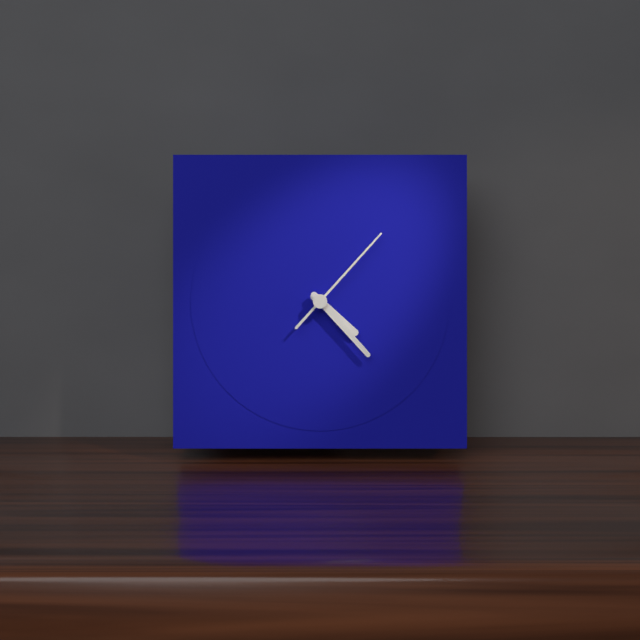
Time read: 4,23,07
